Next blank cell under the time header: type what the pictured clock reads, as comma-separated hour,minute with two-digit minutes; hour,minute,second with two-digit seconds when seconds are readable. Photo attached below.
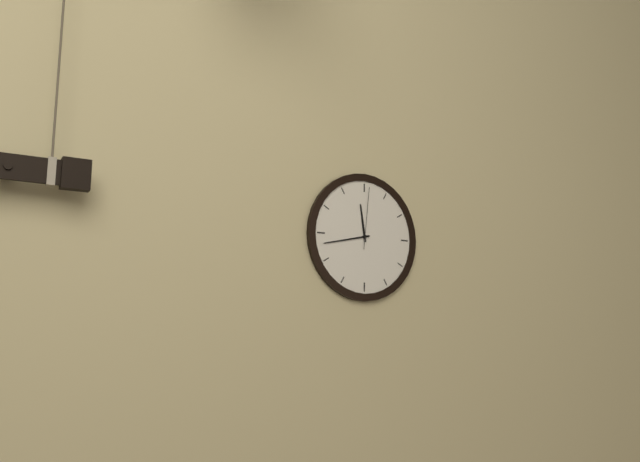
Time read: 11,43,01
